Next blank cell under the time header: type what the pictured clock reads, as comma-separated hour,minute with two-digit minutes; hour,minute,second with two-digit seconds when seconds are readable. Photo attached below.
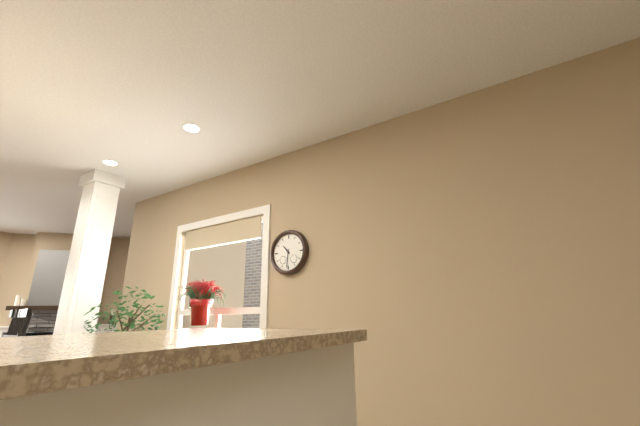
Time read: 10,31
